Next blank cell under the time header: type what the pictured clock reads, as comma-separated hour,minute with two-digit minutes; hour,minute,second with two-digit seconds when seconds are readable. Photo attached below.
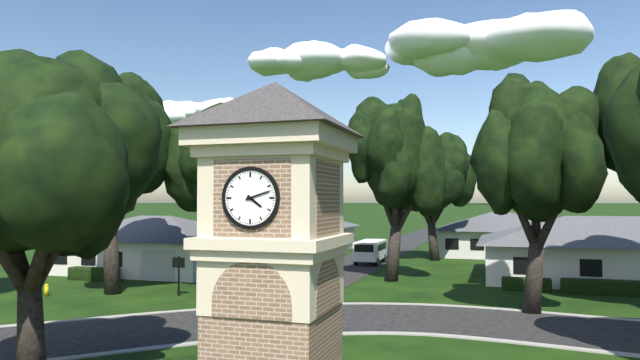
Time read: 4,12
